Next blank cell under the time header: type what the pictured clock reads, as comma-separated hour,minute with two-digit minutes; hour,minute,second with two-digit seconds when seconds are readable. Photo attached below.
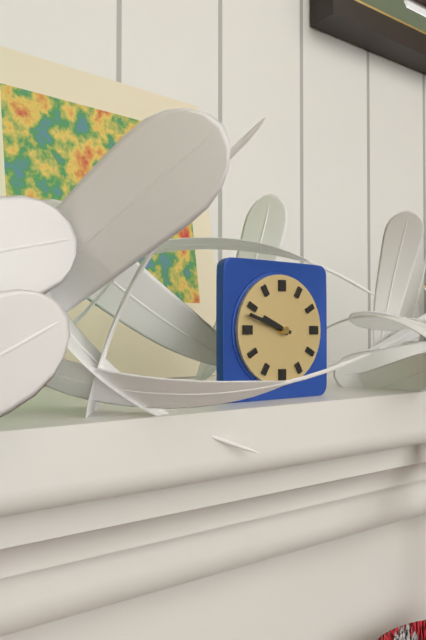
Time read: 9,48
